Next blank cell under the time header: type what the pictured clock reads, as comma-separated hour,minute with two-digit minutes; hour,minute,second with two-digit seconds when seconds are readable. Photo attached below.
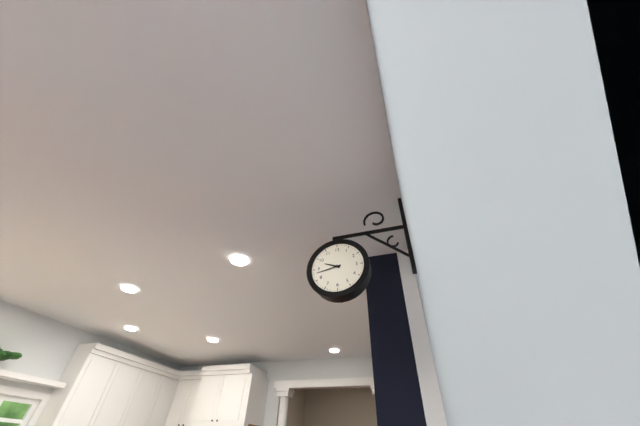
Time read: 9,43
